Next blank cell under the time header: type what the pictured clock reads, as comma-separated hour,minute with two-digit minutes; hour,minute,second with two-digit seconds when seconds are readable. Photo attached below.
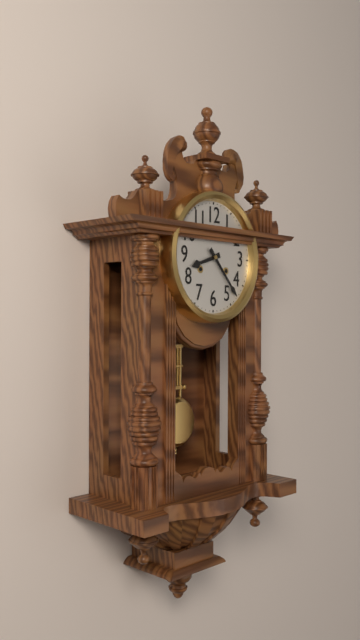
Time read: 8,23
